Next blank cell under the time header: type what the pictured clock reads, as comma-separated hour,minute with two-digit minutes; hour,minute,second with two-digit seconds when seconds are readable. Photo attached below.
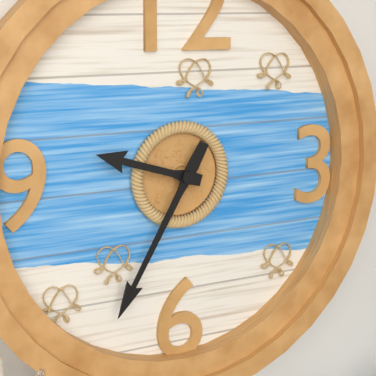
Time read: 9,35
